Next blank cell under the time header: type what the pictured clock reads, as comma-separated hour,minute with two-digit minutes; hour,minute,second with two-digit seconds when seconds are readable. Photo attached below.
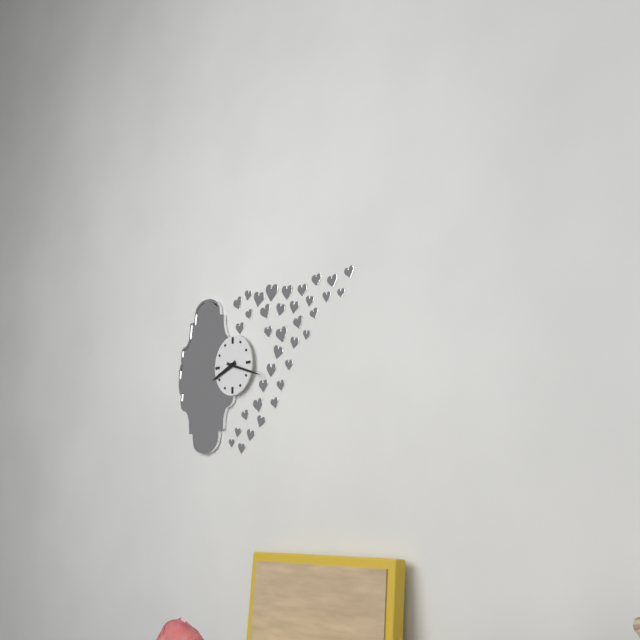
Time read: 8,18
